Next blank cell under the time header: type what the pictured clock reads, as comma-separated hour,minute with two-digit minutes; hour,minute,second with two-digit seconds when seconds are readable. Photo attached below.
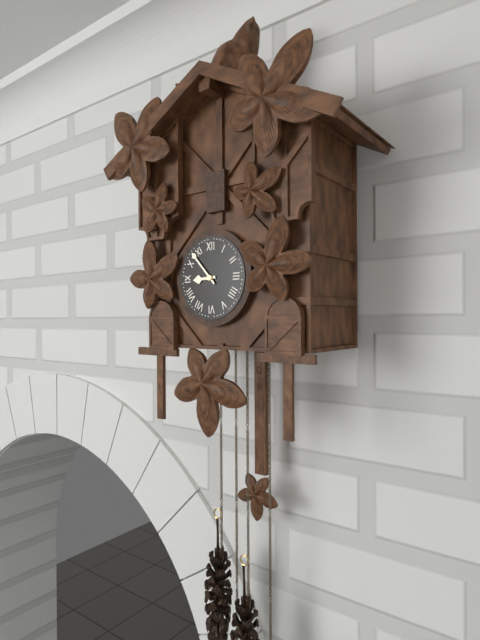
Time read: 8,53
